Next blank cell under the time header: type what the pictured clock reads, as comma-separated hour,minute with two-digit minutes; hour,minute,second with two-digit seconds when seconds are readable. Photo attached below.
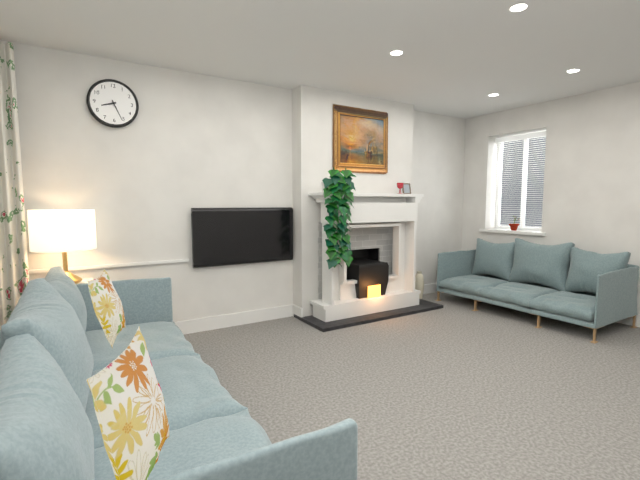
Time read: 8,26
